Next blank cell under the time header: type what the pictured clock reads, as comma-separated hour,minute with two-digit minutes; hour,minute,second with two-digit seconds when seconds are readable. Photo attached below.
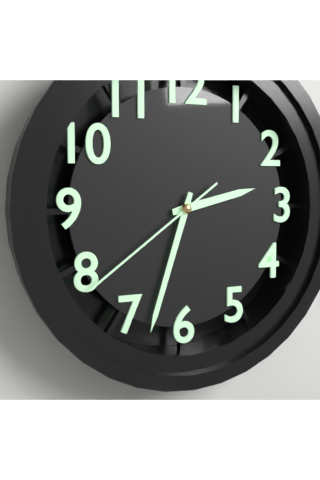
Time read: 2,33,39
